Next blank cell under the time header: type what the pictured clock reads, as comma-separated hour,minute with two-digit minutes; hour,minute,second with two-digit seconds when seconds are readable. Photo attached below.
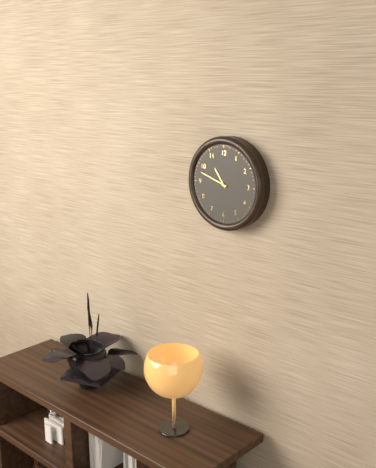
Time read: 10,48
